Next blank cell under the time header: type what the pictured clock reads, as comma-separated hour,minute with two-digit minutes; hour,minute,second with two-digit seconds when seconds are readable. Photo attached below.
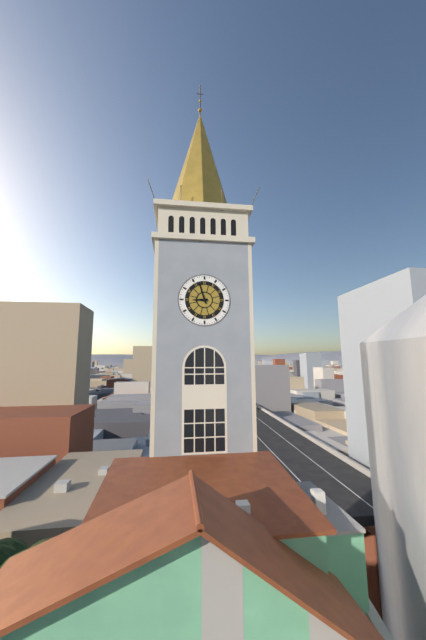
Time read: 8,57
